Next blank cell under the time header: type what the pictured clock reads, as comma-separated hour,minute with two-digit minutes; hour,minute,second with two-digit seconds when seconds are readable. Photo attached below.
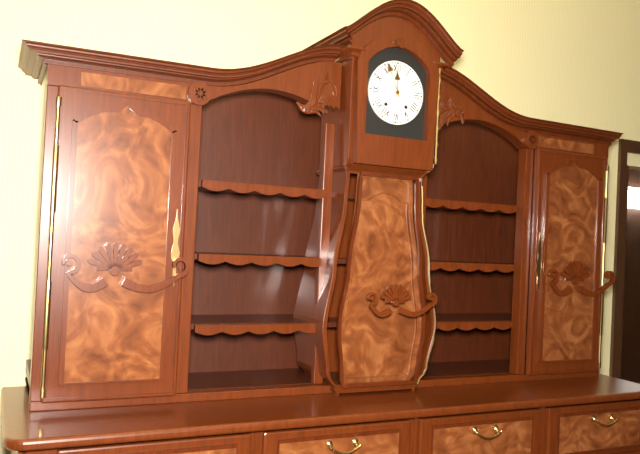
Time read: 11,56
